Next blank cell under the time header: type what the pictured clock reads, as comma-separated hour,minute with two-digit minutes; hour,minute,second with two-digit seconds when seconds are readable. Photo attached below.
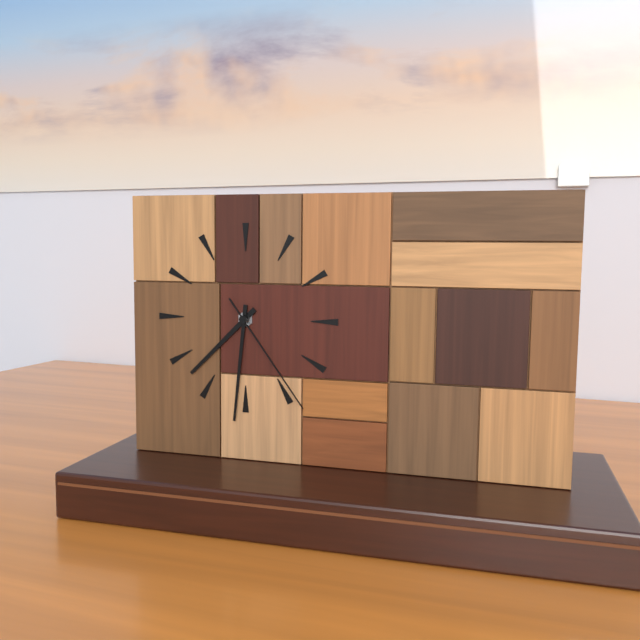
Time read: 7,31,24
